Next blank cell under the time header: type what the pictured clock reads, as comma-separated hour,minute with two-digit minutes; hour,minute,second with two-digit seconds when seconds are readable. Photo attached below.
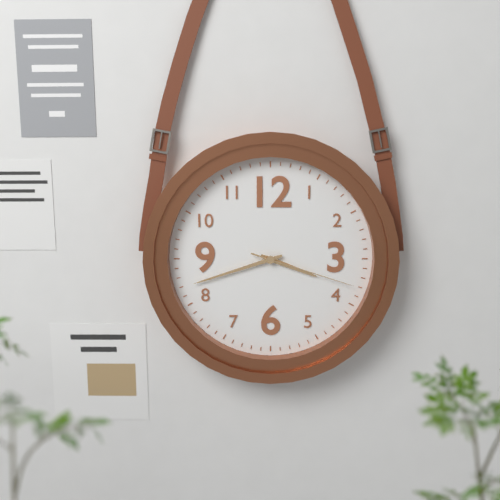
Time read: 3,42,18
